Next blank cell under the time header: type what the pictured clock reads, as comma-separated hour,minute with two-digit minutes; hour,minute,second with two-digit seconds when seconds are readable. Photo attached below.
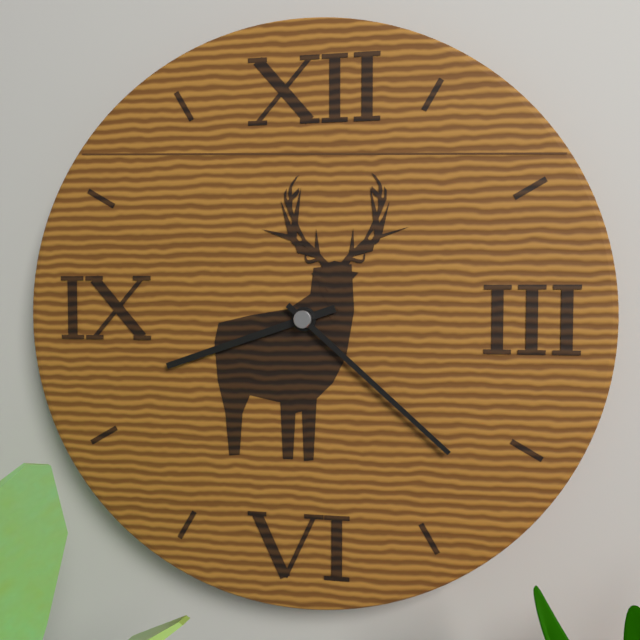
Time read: 8,22
